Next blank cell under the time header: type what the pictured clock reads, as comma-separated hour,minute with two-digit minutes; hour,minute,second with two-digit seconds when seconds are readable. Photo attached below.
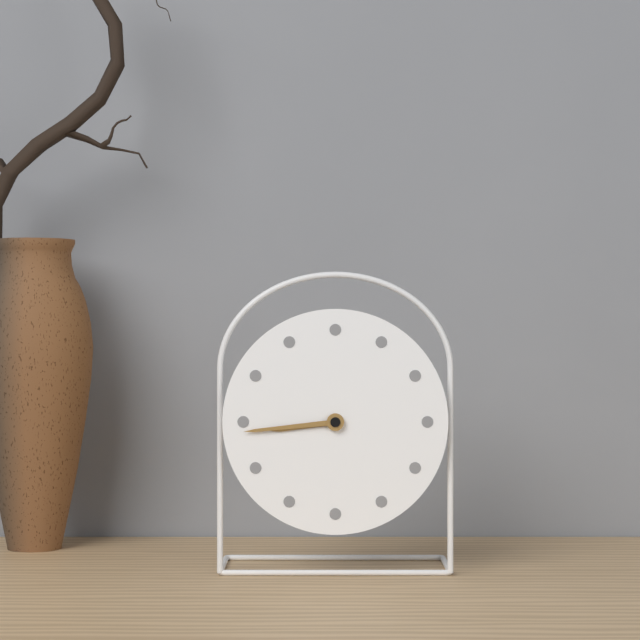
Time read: 8,44
